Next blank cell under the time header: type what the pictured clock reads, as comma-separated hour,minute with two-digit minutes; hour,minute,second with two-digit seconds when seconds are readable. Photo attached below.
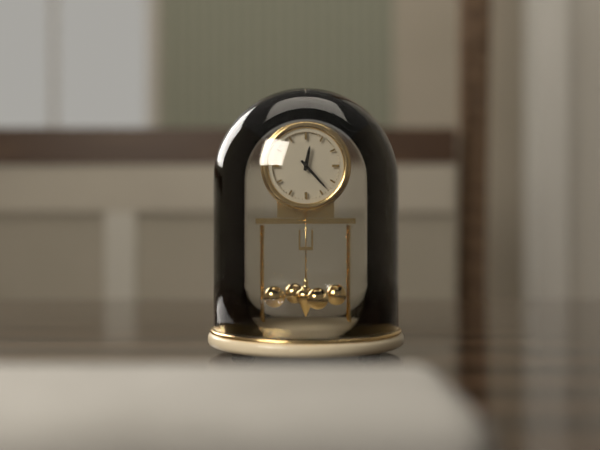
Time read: 12,23
